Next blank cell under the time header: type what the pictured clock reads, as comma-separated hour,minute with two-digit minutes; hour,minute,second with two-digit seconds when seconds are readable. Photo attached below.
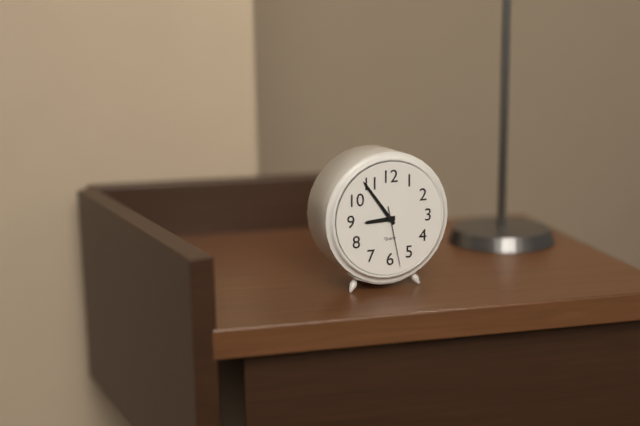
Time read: 8,54,28
